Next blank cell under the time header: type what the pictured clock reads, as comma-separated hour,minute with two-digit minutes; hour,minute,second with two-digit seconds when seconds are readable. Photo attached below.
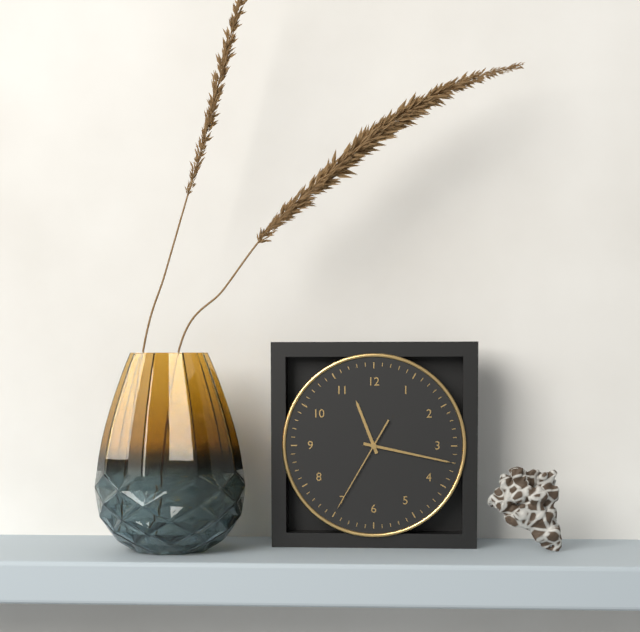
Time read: 11,17,35
